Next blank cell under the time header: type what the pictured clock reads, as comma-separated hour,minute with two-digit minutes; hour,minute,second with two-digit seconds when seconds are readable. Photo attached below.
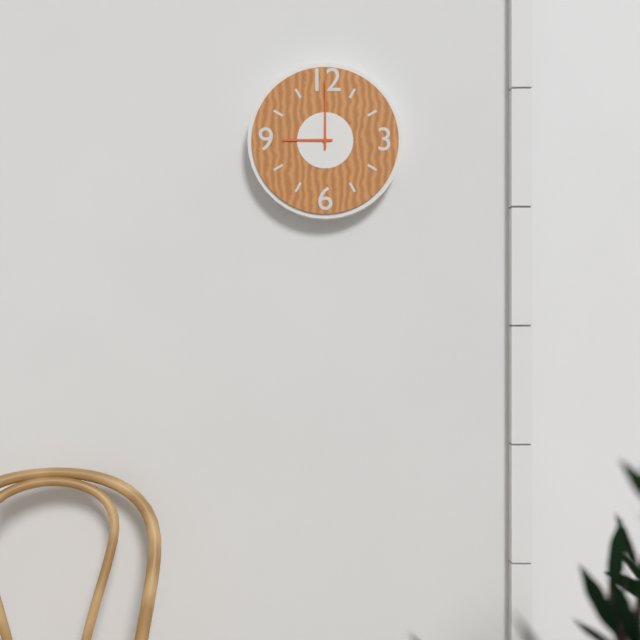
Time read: 9,00
